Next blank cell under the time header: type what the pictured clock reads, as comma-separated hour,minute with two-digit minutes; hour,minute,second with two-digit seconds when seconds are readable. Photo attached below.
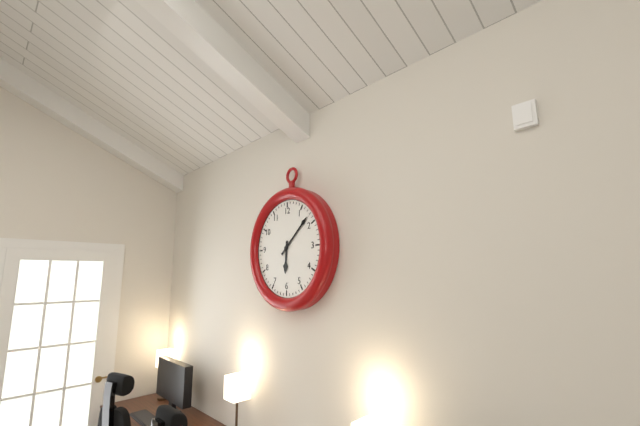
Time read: 6,08
